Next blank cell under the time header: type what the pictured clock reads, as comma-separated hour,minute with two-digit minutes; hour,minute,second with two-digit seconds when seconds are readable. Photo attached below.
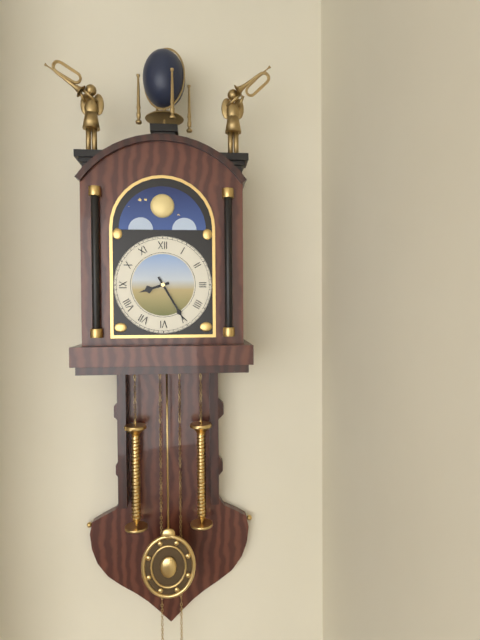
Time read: 8,25
